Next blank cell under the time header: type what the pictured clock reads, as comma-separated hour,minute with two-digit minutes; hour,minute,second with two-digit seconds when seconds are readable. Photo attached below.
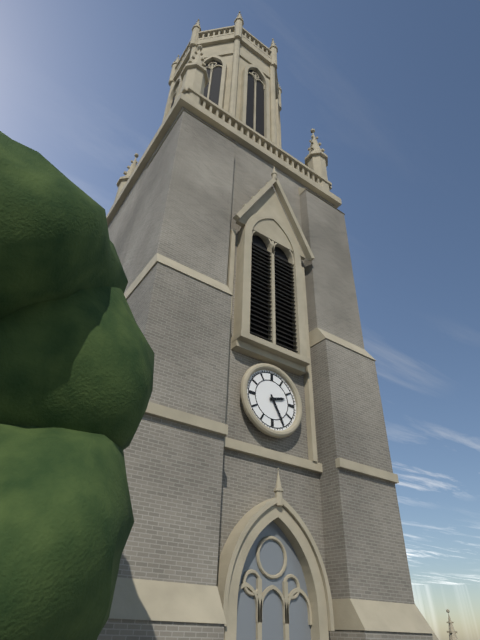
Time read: 2,25
